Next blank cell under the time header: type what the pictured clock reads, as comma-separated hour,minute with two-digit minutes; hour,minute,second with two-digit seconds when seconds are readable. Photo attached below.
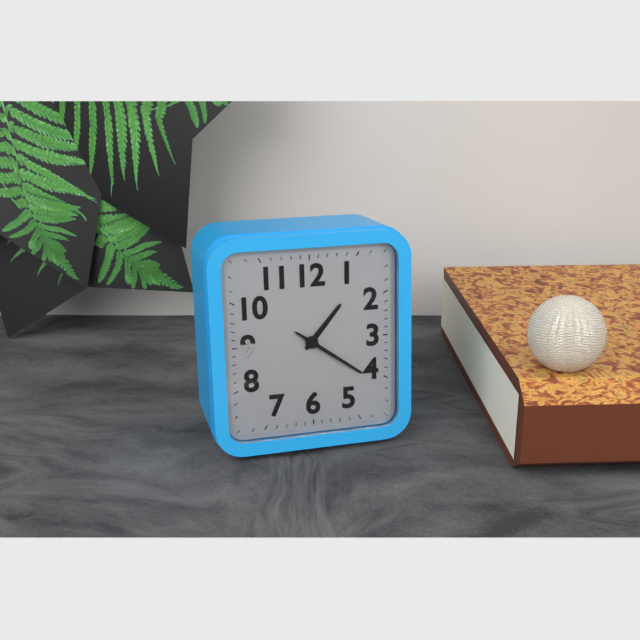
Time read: 1,21
